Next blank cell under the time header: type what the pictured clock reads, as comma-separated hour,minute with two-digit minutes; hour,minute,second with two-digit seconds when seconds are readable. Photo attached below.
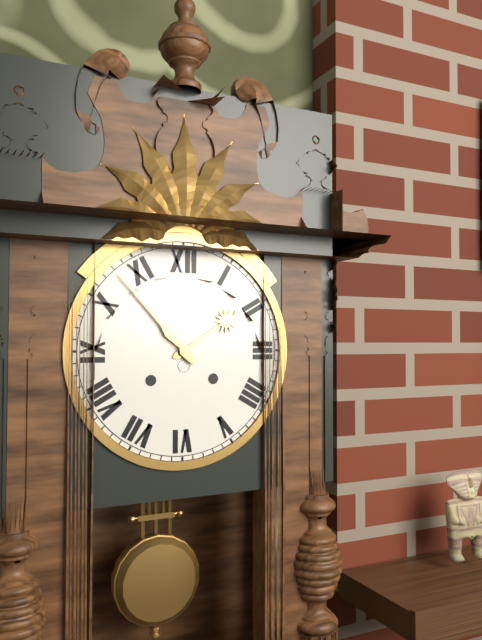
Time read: 1,53
